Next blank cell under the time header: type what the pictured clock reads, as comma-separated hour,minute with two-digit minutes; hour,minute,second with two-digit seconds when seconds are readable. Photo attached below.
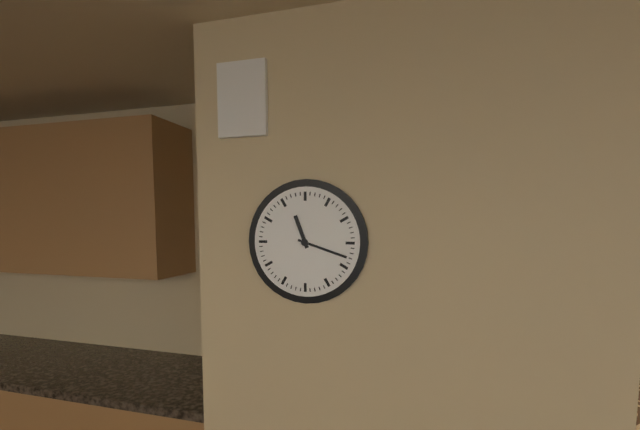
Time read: 11,18
